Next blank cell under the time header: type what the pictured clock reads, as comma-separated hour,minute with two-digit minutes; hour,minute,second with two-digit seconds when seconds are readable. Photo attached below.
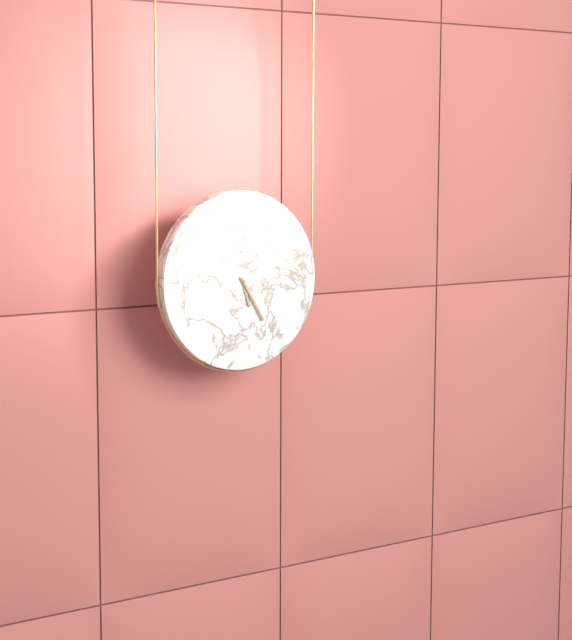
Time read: 5,25
